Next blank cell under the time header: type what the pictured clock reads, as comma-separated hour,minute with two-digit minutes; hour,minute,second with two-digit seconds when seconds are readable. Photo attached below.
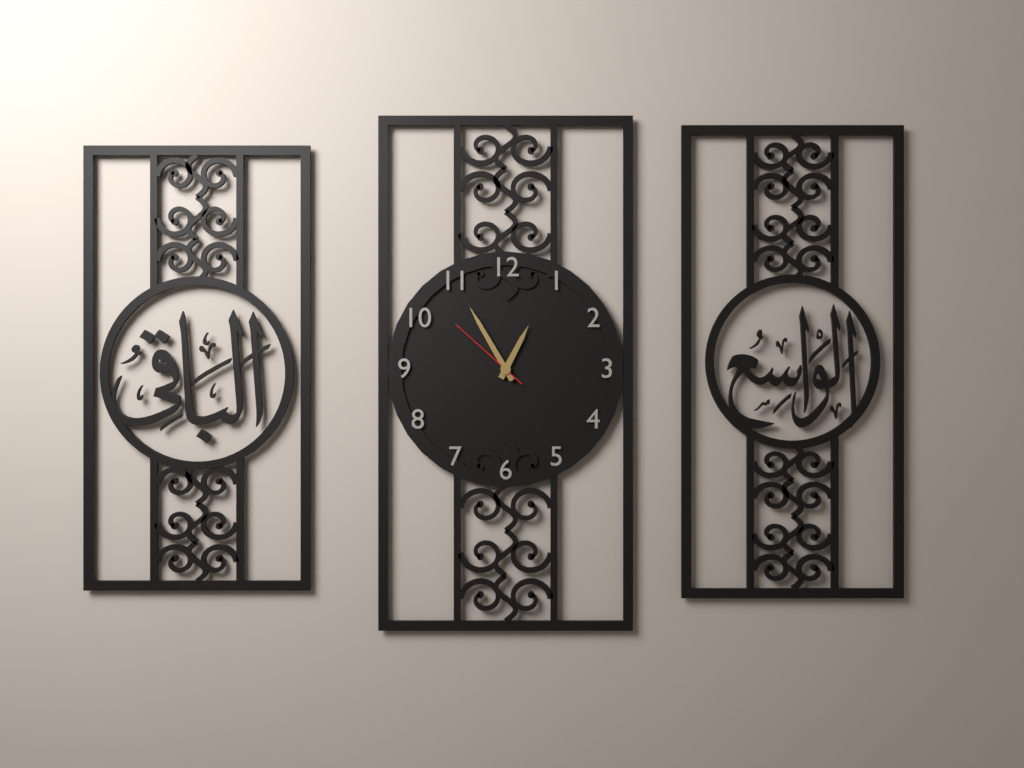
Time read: 12,55,52
